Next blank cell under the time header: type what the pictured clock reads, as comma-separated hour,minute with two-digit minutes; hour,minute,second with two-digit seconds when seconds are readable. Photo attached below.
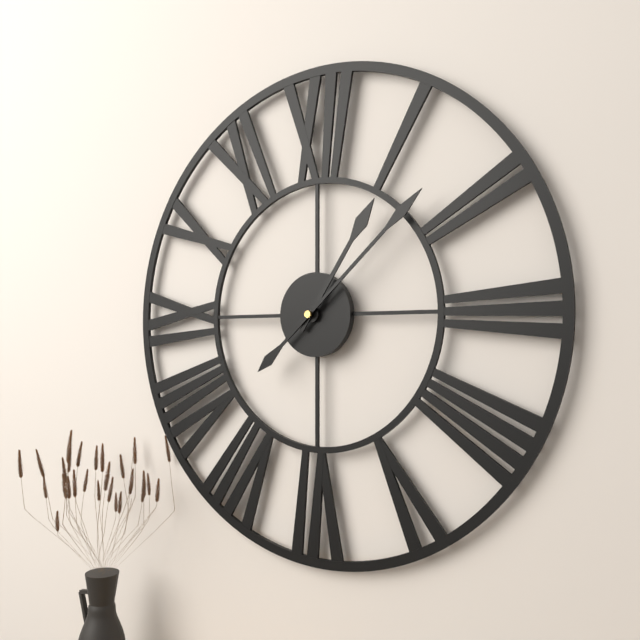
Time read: 1,08
